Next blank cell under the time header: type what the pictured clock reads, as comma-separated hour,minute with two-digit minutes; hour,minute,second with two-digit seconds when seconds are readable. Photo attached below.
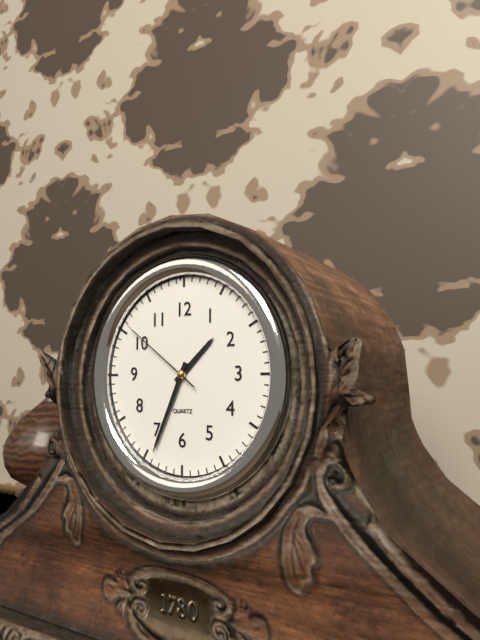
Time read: 1,34,51
